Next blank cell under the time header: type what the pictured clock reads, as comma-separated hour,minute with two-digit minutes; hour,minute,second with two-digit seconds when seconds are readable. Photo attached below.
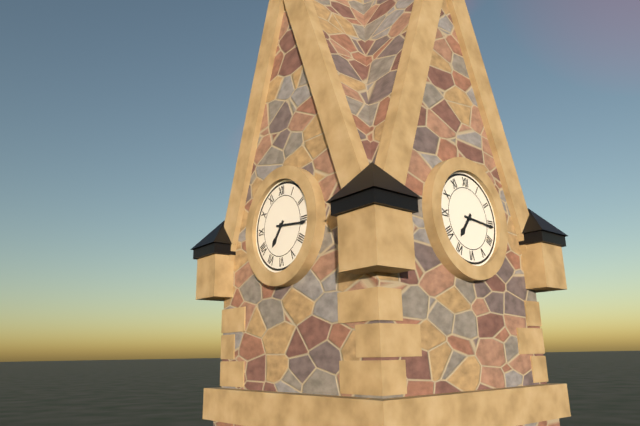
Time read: 7,16
